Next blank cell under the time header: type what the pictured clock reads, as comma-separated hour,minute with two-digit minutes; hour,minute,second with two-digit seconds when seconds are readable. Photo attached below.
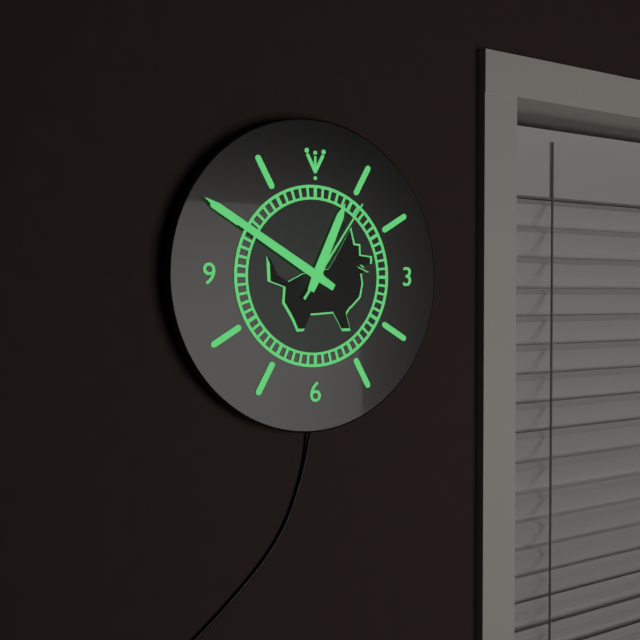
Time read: 12,50,06
